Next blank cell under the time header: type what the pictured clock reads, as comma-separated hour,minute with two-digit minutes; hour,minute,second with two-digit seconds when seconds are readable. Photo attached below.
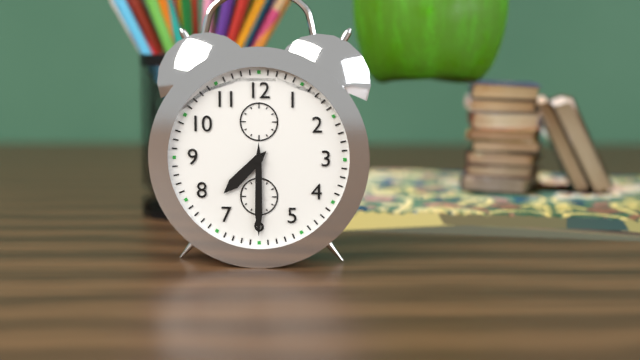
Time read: 7,30
